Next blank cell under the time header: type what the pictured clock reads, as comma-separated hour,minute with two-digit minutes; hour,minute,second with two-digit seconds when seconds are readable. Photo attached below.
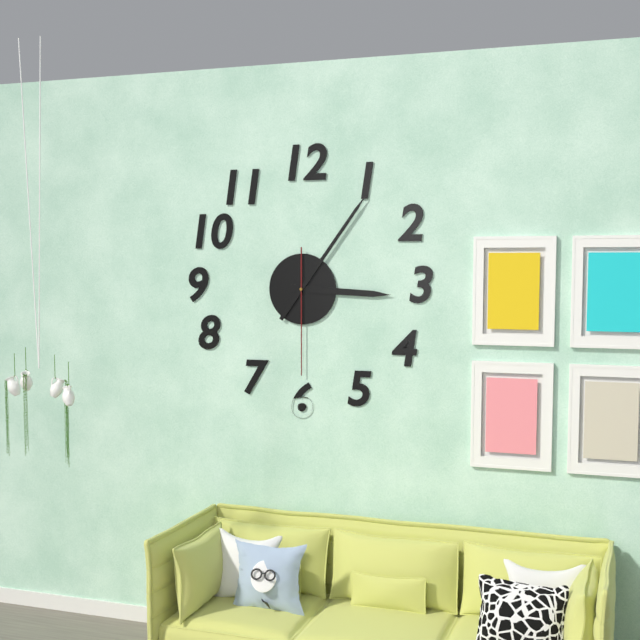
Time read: 3,06,30
